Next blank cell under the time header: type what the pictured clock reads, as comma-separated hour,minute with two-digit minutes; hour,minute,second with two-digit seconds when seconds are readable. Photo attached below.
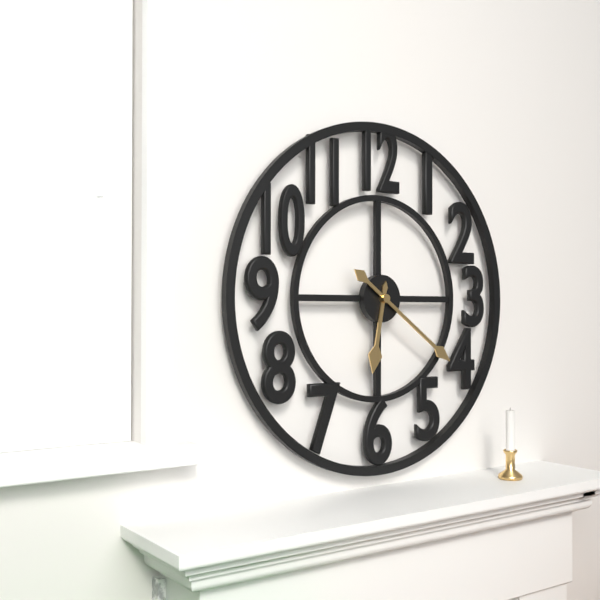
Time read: 6,21
